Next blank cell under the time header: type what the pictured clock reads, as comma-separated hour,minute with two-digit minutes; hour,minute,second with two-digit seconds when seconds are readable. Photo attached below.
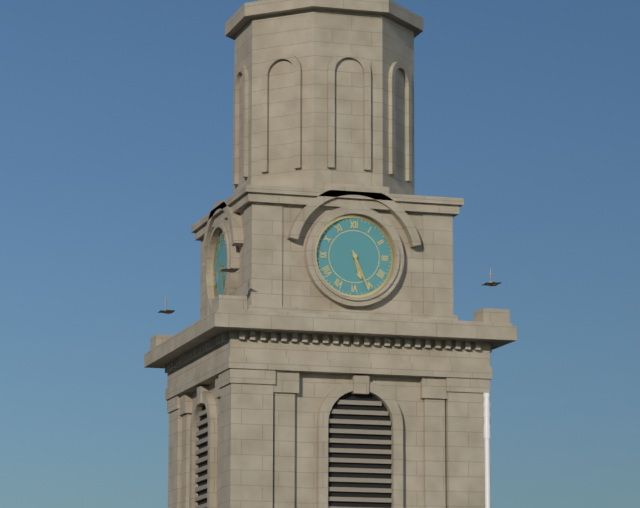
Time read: 5,26
